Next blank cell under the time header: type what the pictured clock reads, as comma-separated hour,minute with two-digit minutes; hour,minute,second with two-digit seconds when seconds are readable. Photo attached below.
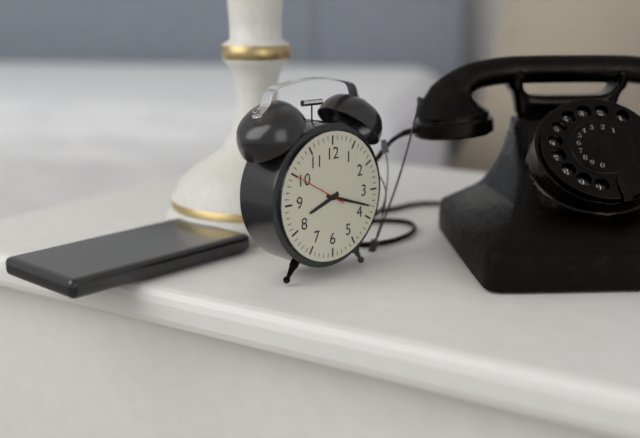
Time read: 8,18,50
